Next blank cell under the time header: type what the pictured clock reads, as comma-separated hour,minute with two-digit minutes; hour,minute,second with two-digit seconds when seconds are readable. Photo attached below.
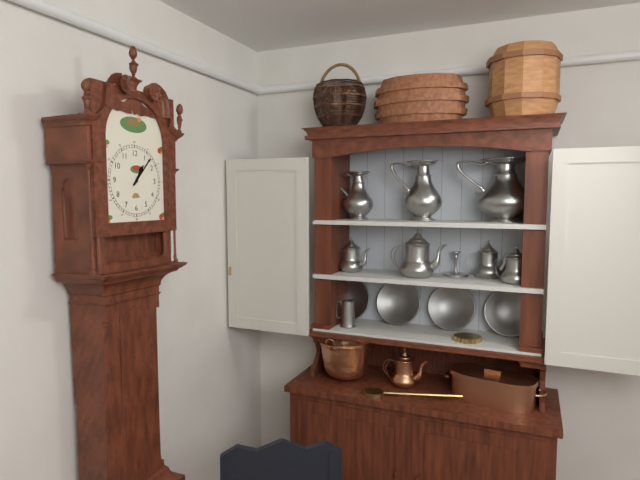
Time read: 1,07
